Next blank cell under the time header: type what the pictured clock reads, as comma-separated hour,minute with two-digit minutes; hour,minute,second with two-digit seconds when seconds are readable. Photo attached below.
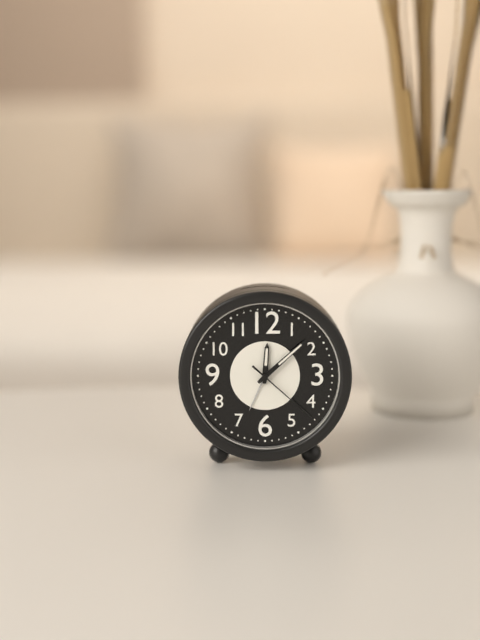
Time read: 12,08,22
